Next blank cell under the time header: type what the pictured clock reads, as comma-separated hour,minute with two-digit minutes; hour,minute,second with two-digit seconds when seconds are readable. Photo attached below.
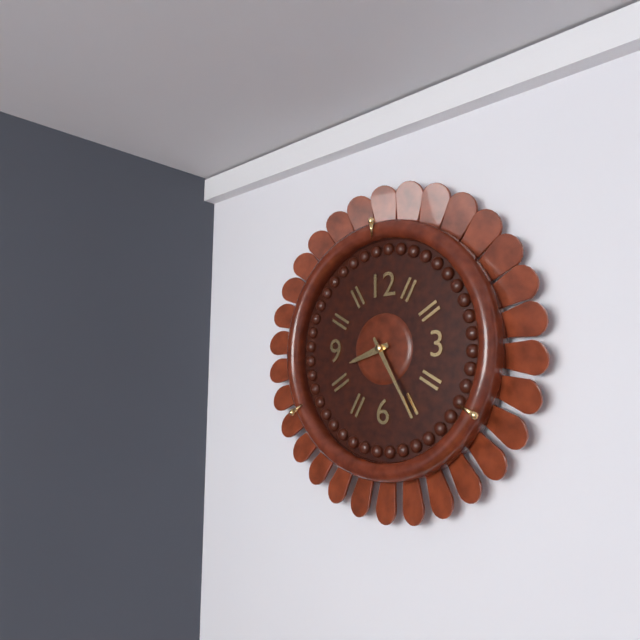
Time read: 8,25
